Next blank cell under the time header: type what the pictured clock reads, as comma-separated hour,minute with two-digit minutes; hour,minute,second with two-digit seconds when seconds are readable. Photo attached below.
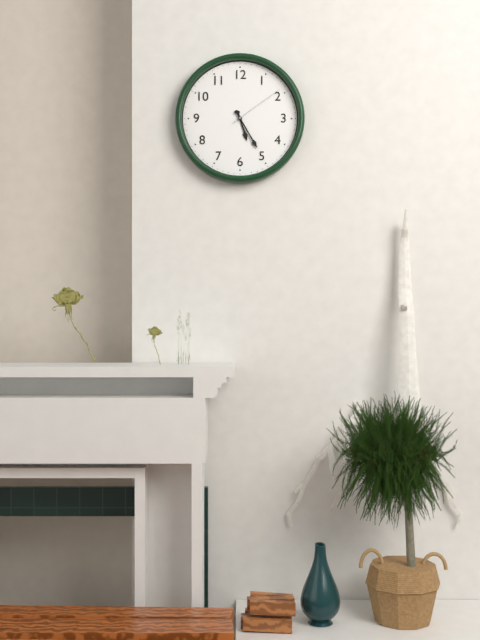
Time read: 5,25,09
